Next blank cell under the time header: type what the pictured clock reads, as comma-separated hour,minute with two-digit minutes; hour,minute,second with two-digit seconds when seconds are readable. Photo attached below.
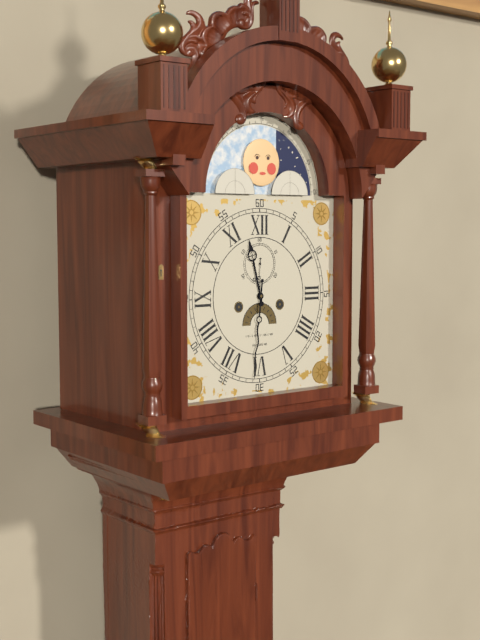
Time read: 11,31
